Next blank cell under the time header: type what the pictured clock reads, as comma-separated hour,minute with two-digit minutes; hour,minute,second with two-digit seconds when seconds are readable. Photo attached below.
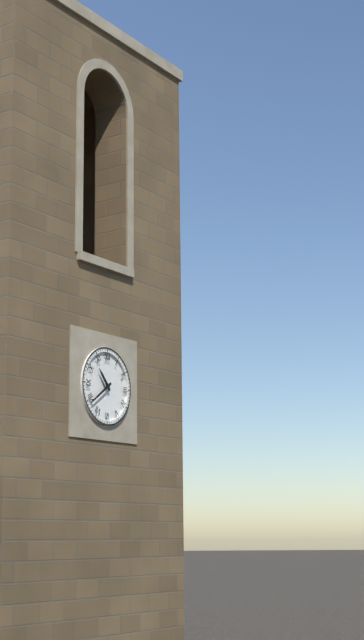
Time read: 10,39
